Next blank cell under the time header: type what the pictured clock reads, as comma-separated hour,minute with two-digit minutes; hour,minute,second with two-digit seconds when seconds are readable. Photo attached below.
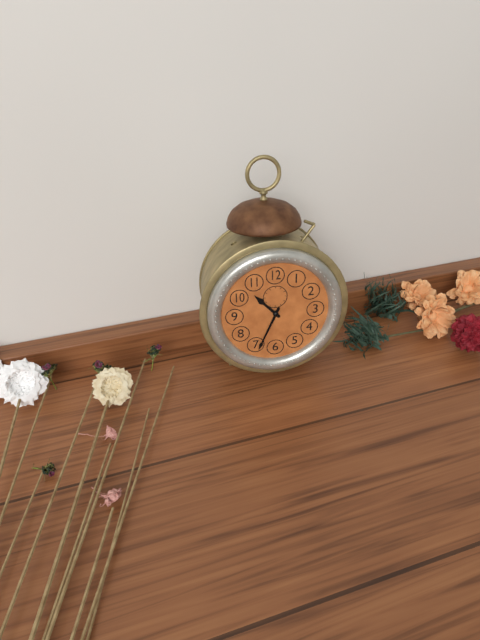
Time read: 10,34
